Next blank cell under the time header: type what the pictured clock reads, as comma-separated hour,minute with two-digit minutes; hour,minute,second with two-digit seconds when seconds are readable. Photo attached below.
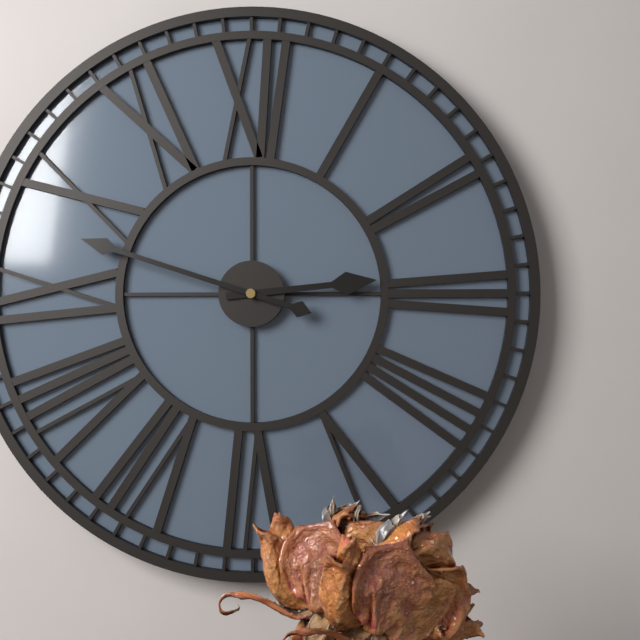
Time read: 2,48
